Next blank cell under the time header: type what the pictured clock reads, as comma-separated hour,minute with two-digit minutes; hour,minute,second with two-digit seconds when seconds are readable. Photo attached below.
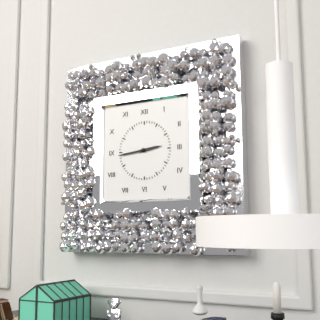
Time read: 2,44
